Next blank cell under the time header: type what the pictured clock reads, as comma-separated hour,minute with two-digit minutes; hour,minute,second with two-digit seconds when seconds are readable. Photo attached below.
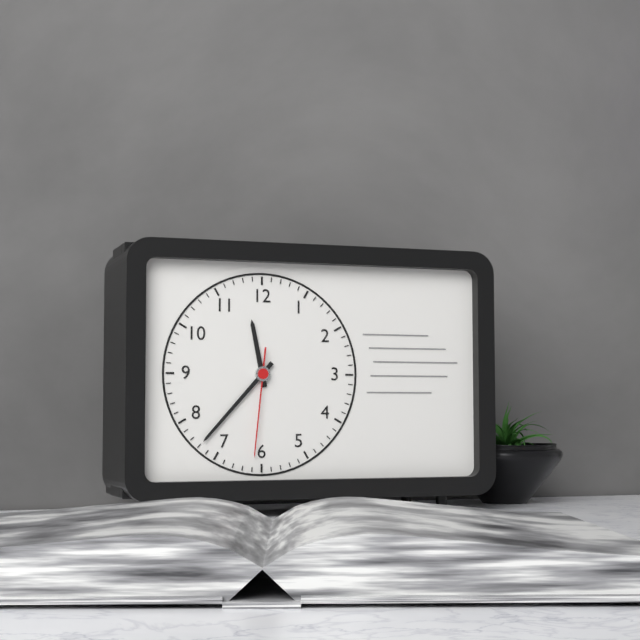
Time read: 11,37,31
